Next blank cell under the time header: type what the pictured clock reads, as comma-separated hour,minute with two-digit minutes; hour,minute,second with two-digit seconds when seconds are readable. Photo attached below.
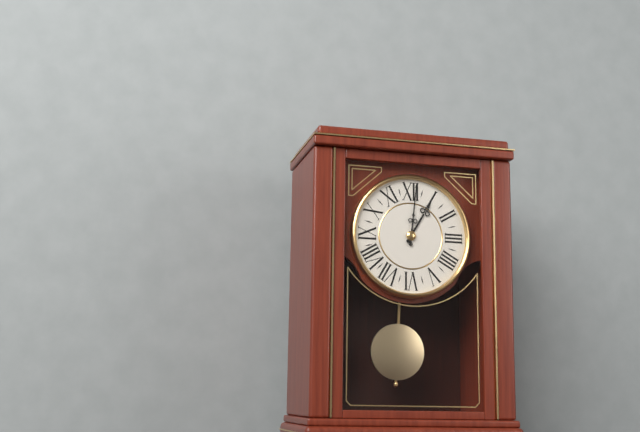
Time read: 1,01
